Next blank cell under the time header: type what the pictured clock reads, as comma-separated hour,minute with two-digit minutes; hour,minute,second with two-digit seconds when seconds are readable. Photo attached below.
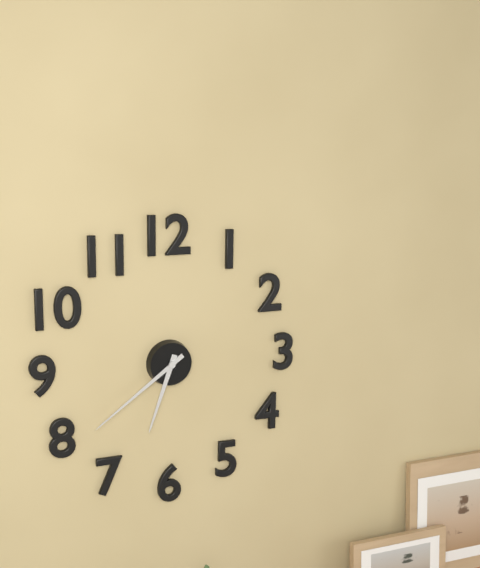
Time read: 6,39
